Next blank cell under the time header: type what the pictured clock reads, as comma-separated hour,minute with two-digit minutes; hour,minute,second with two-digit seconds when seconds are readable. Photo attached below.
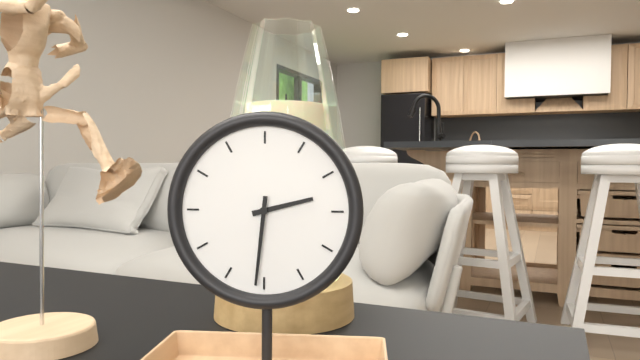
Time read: 2,31
